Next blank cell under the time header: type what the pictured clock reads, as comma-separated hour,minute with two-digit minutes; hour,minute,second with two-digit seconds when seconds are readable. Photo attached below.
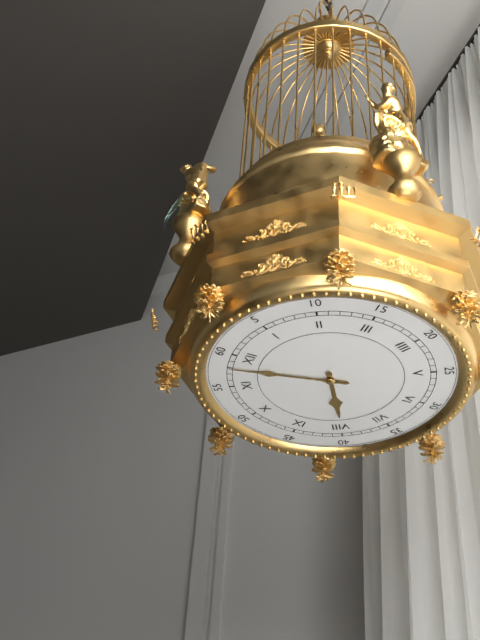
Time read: 7,58
